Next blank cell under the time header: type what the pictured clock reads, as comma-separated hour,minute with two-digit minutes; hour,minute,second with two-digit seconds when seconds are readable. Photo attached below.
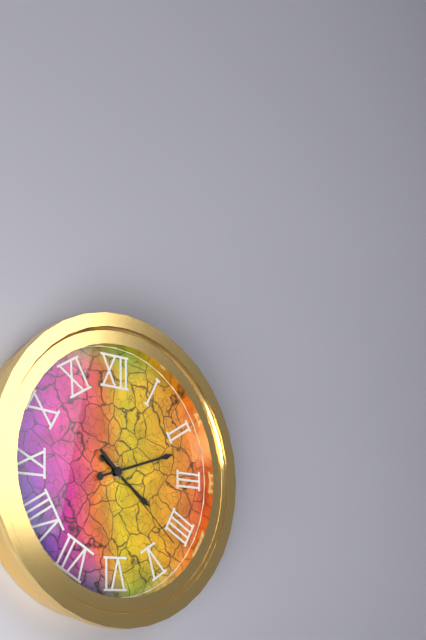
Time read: 4,12,22
